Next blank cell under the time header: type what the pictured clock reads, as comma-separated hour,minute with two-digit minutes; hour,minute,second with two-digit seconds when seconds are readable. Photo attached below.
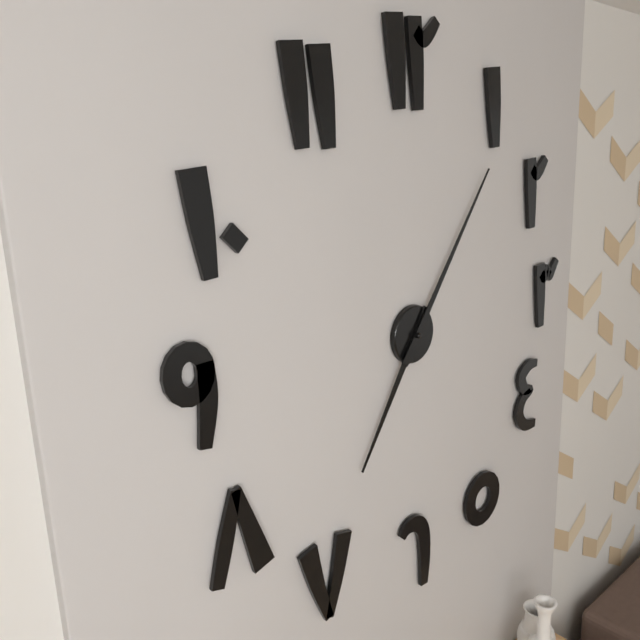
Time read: 7,06
